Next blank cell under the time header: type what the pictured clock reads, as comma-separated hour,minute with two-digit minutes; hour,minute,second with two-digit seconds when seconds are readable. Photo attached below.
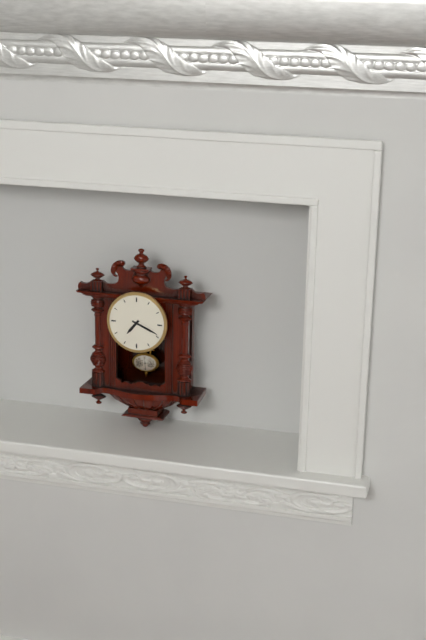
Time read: 7,19
